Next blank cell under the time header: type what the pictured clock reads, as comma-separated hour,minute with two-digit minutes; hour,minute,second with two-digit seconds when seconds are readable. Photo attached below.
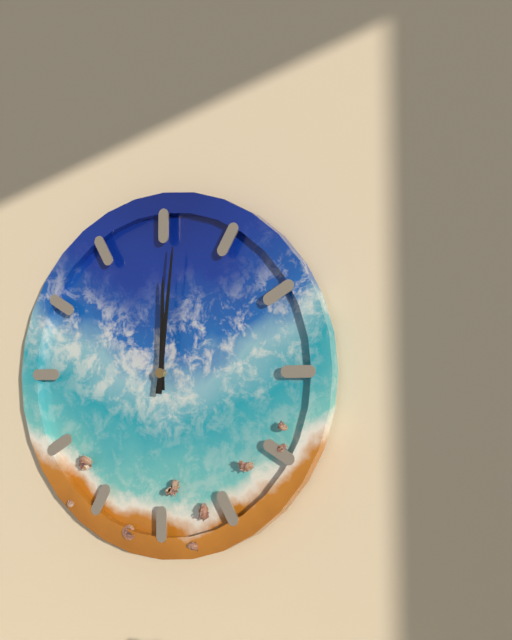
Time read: 12,01
